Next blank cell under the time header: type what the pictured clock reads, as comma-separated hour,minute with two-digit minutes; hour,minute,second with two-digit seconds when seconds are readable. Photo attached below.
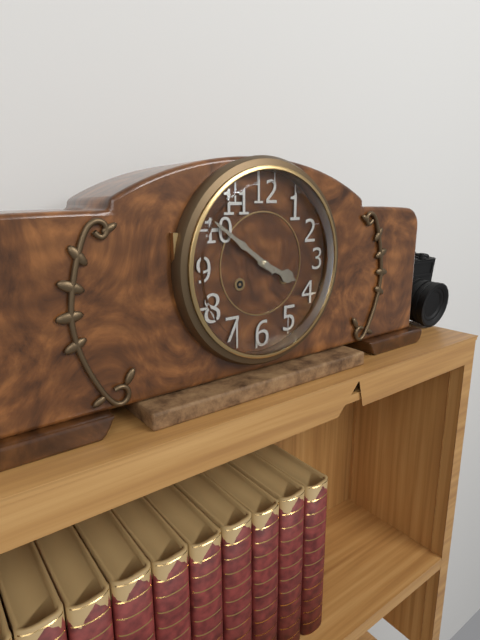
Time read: 3,51
